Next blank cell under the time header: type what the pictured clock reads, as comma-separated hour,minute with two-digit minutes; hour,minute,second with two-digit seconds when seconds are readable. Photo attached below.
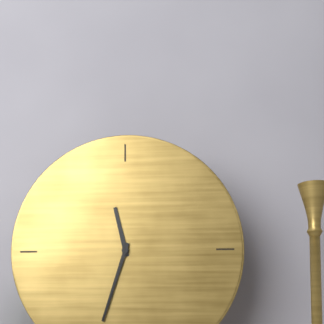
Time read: 11,33
